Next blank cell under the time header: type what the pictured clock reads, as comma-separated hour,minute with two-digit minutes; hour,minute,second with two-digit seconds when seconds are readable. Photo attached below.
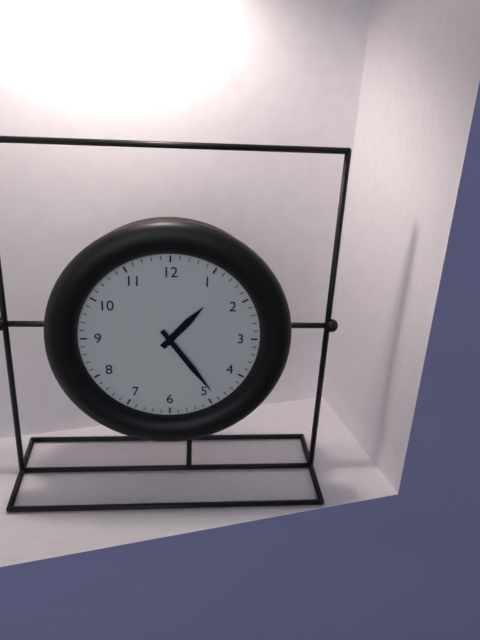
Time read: 1,24
